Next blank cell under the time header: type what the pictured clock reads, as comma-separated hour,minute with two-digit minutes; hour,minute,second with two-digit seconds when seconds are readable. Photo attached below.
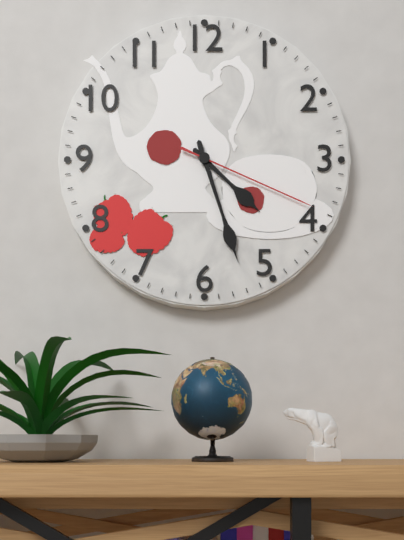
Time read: 4,27,19
